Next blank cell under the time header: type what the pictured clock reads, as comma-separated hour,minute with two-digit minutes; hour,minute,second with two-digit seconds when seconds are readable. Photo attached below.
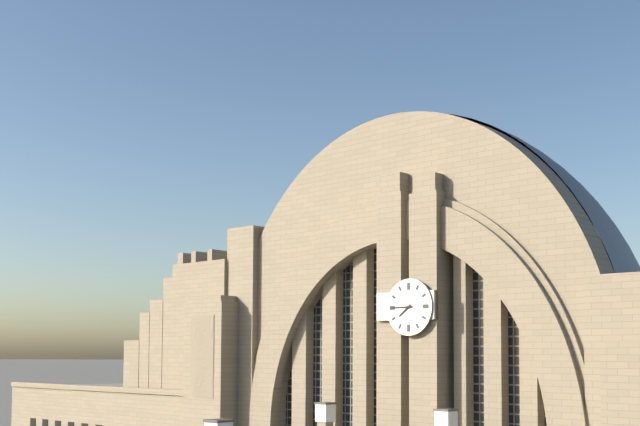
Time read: 7,45
